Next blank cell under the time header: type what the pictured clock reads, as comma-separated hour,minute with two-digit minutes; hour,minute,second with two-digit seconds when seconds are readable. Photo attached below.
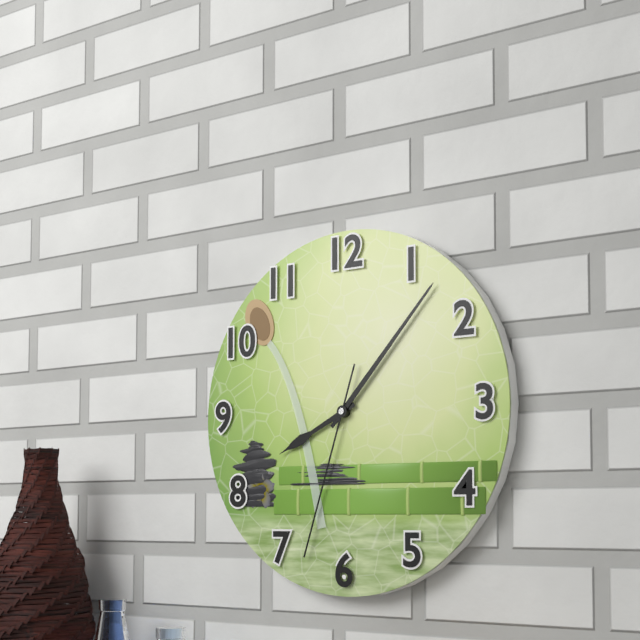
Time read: 8,07,33
